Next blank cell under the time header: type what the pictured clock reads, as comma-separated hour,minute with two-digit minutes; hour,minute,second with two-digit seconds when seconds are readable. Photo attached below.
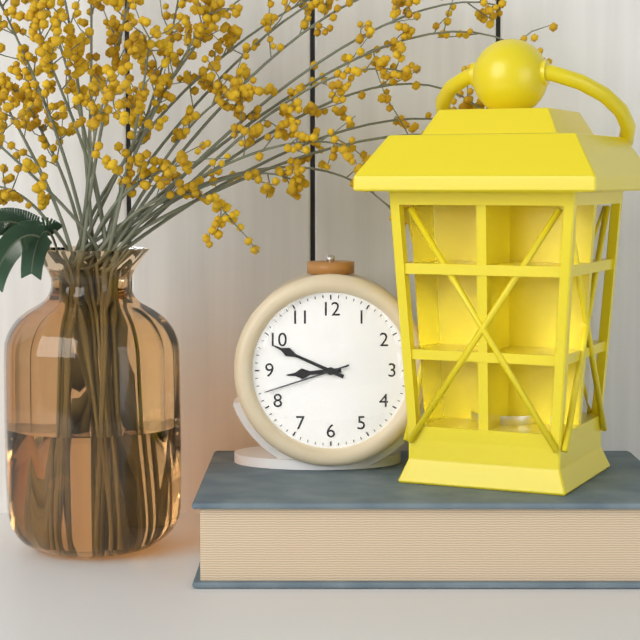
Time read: 8,49,42
